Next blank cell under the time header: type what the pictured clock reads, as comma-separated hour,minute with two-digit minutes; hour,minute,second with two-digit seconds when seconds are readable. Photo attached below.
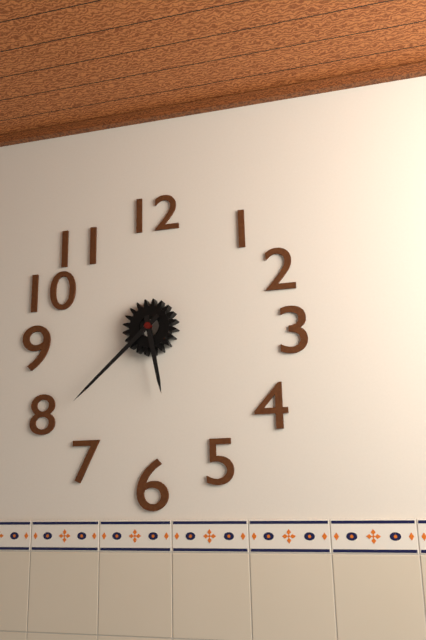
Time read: 5,38
